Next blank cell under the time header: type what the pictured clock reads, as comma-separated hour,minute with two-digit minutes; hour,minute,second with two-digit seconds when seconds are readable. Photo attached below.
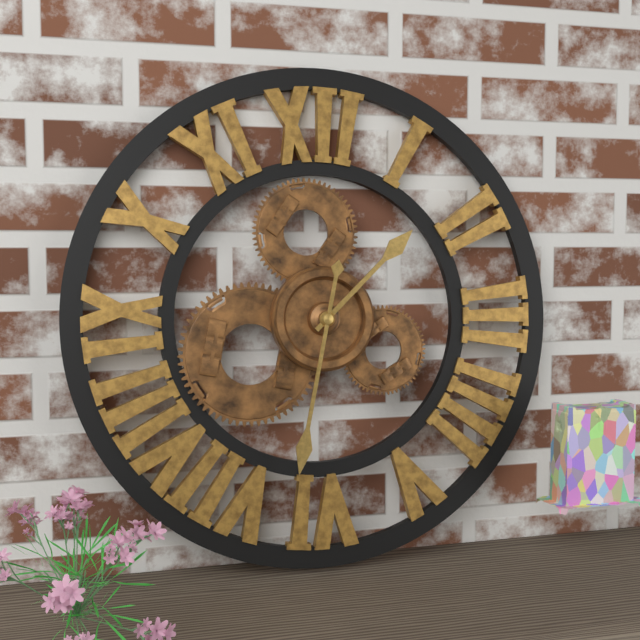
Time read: 1,32
